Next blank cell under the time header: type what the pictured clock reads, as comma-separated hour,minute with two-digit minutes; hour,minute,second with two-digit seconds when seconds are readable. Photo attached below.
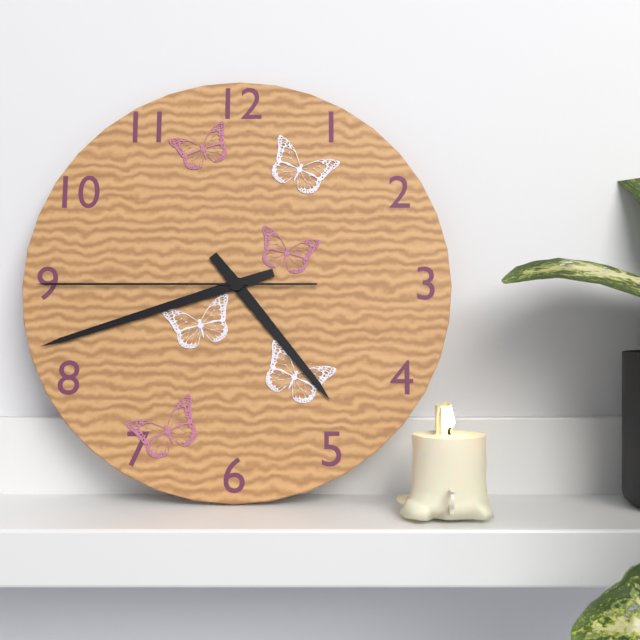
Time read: 4,42,45
